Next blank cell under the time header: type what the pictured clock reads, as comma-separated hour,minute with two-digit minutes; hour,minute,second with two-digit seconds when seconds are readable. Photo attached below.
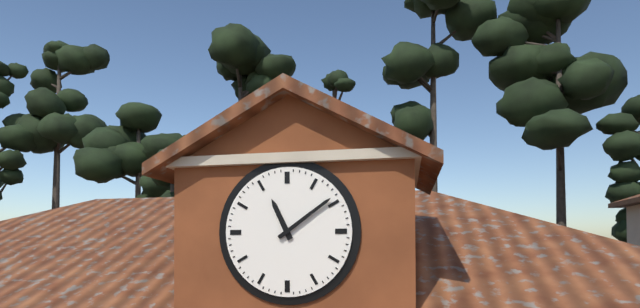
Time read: 11,09
